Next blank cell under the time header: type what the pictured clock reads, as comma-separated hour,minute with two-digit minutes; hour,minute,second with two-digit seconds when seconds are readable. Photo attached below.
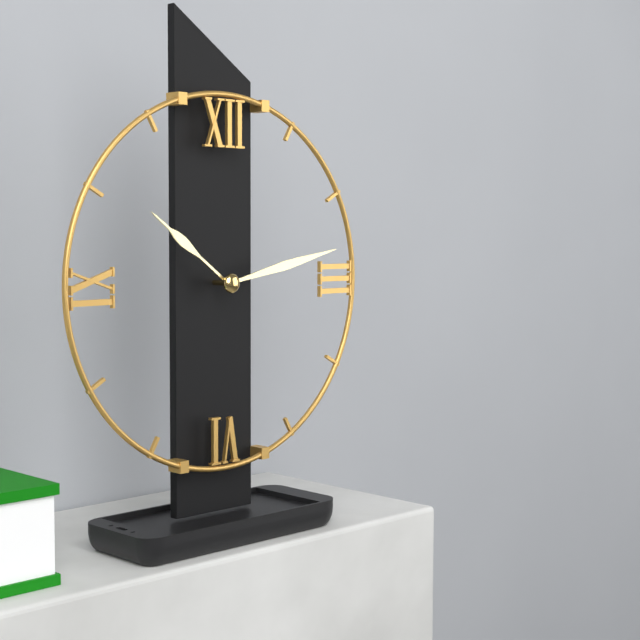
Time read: 10,13
